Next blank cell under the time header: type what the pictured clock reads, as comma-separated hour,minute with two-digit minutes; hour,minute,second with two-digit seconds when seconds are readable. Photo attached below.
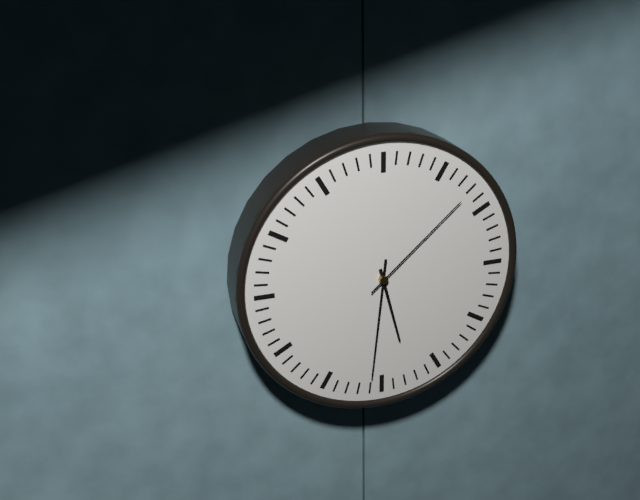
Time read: 5,31,08
